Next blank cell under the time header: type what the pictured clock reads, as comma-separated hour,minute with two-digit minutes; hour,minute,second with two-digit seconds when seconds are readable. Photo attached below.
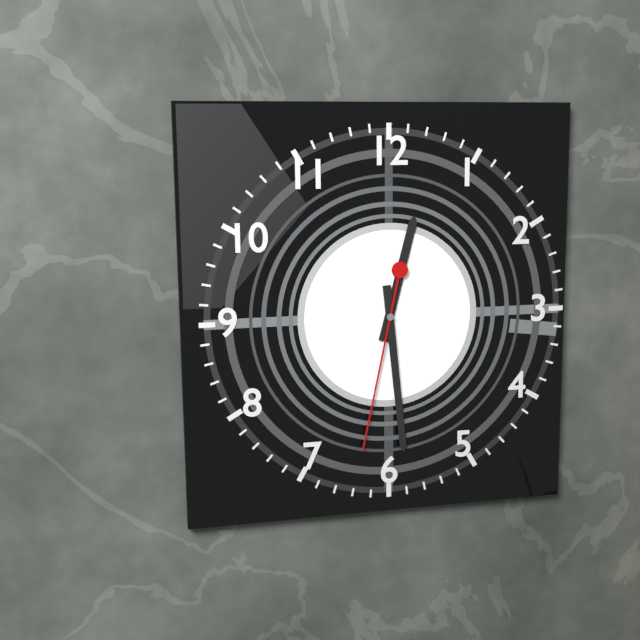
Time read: 12,29,32
